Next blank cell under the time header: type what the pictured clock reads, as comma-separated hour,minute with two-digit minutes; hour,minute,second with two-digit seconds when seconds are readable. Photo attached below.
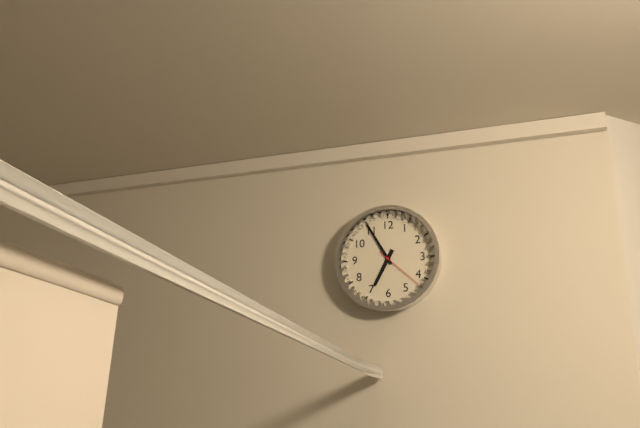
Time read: 6,55,22
